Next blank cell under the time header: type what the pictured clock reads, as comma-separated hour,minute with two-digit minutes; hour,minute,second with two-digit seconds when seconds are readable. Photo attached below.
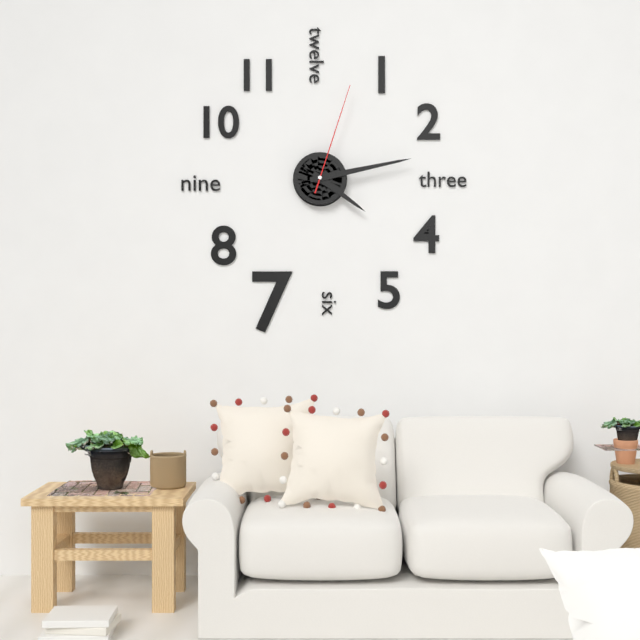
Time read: 4,13,03
